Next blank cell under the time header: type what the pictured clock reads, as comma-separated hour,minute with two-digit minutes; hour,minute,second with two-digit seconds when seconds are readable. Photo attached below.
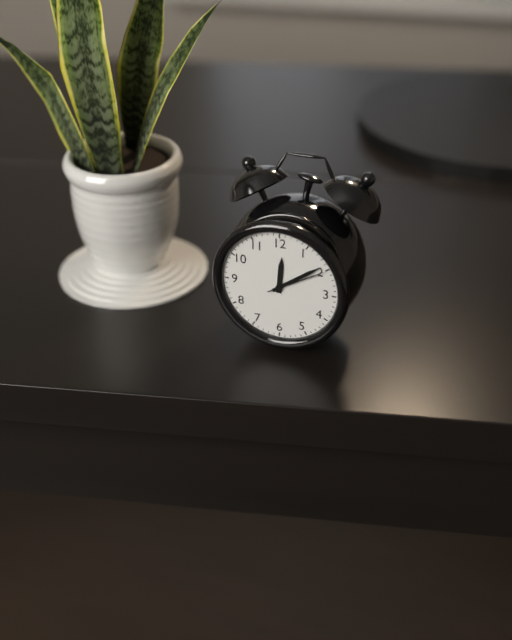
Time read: 12,09,10
